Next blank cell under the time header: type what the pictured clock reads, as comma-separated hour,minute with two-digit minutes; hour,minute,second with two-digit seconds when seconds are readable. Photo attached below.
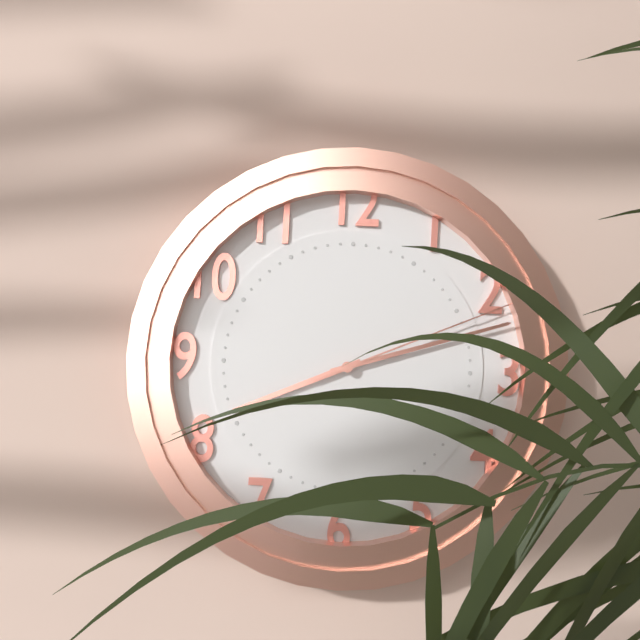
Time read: 8,12,11
